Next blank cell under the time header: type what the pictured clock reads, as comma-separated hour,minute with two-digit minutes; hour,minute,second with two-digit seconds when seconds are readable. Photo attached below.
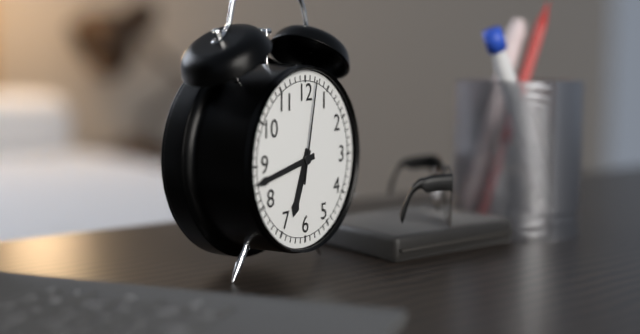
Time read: 6,43,02
